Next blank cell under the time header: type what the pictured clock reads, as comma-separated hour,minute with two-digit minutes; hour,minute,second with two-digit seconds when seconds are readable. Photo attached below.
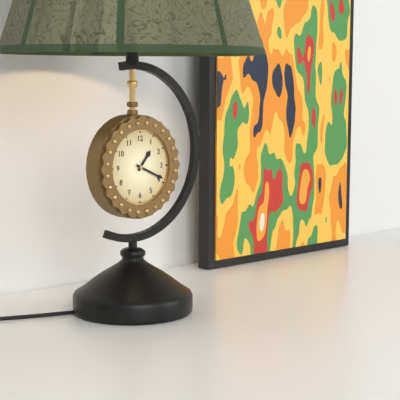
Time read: 1,19
